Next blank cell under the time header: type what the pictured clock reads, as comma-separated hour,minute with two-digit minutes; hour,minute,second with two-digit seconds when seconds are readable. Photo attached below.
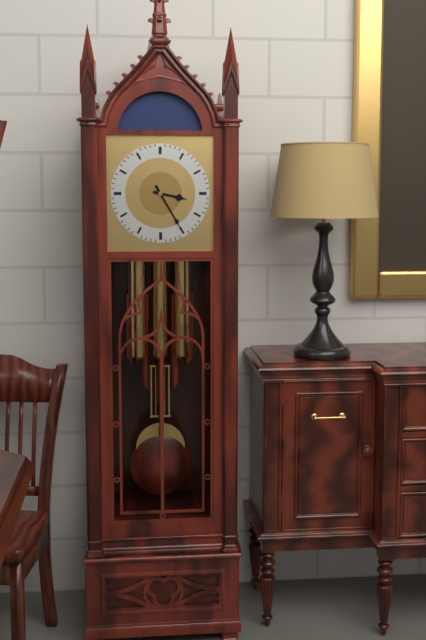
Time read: 3,25
